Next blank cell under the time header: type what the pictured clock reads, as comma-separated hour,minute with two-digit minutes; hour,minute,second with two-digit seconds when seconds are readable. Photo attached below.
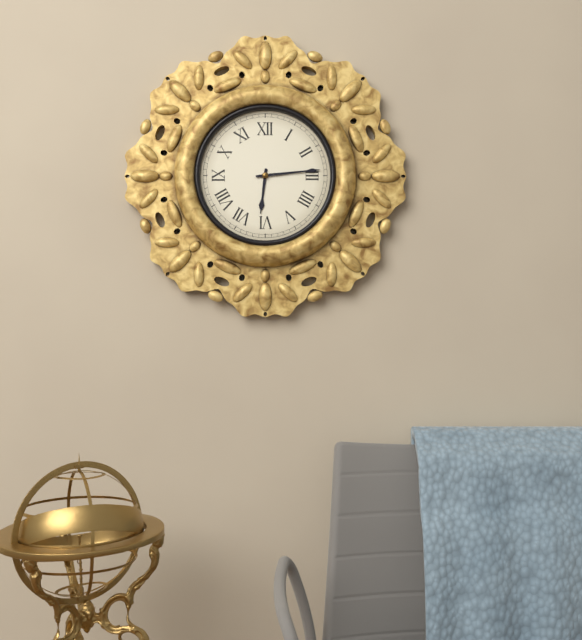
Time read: 6,14
